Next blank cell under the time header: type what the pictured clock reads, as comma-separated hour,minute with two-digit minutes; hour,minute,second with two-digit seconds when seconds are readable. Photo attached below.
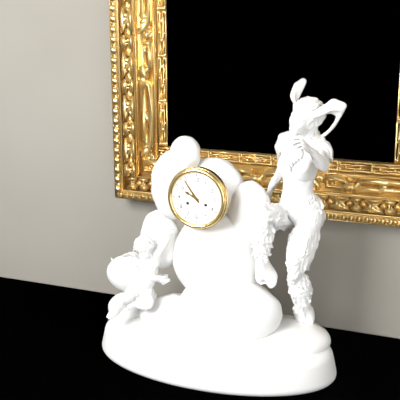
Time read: 9,54
